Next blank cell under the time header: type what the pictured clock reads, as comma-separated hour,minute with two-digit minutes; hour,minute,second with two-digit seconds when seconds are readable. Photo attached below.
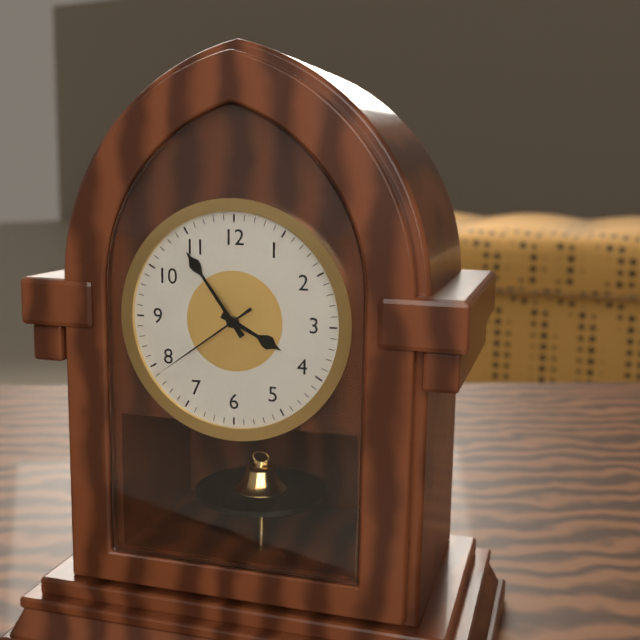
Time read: 3,54,39
